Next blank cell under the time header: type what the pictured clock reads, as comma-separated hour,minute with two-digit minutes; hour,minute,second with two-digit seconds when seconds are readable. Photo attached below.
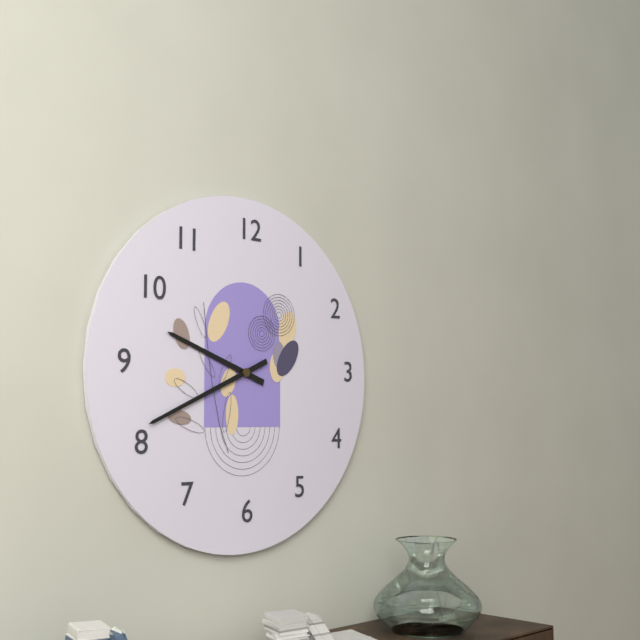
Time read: 9,41
